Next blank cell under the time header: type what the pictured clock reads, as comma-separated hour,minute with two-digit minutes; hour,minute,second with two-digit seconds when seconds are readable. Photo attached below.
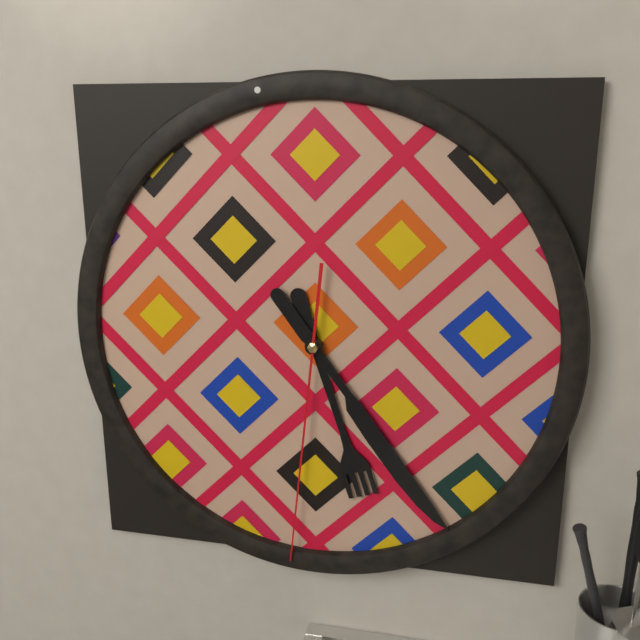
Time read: 5,24,31
